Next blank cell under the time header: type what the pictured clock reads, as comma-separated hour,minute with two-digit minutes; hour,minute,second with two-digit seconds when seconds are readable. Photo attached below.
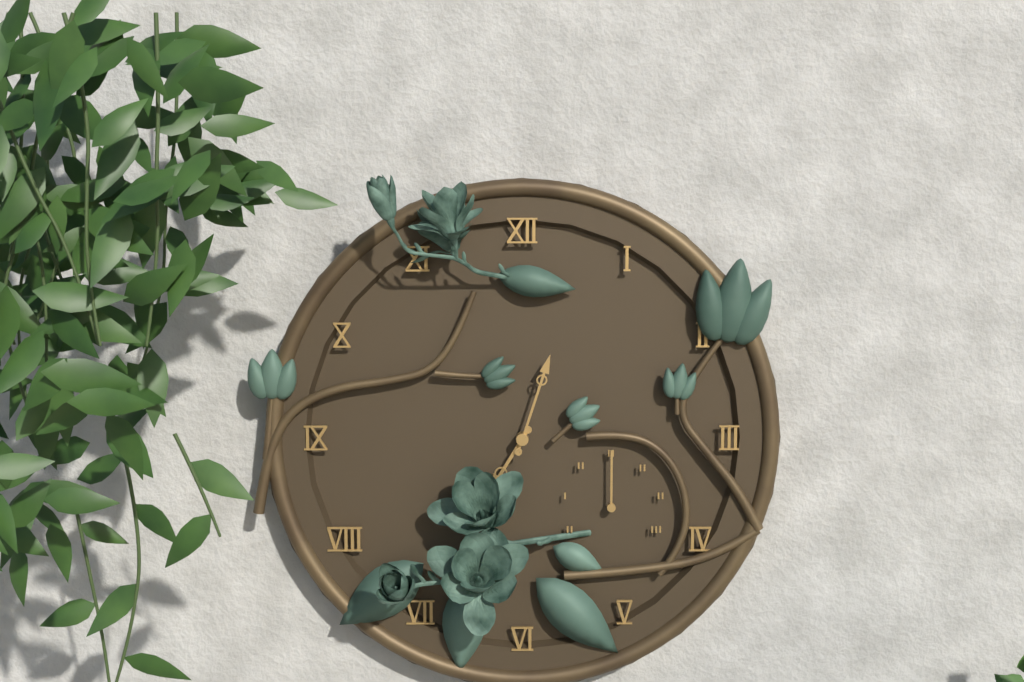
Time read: 7,03
